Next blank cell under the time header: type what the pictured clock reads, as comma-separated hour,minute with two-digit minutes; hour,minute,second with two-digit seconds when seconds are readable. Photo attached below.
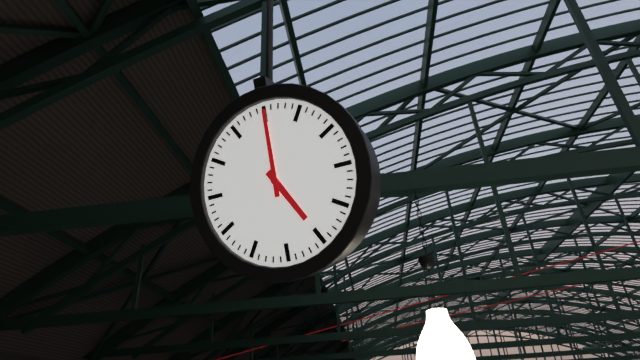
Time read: 5,00
